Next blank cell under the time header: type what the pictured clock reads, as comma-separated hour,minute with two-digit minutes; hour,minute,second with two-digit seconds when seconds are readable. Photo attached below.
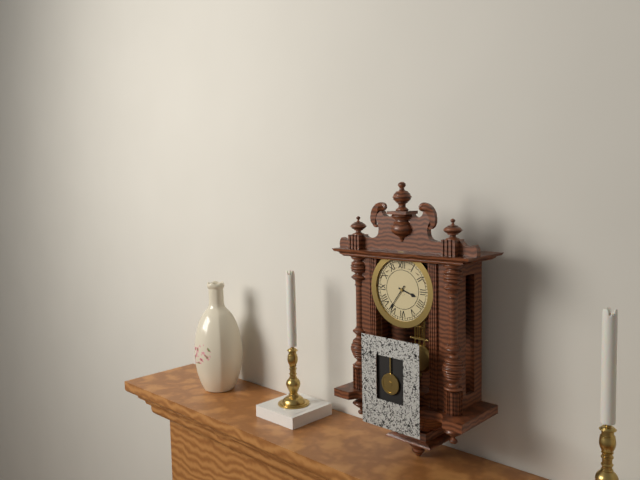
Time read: 3,36
